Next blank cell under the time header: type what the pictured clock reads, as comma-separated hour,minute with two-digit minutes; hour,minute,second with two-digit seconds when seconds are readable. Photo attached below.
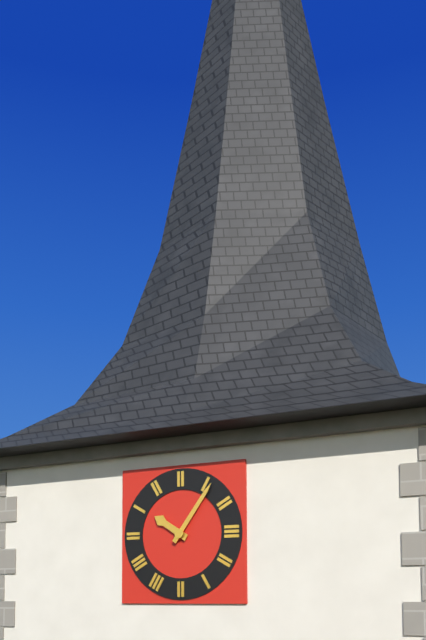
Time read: 10,06
